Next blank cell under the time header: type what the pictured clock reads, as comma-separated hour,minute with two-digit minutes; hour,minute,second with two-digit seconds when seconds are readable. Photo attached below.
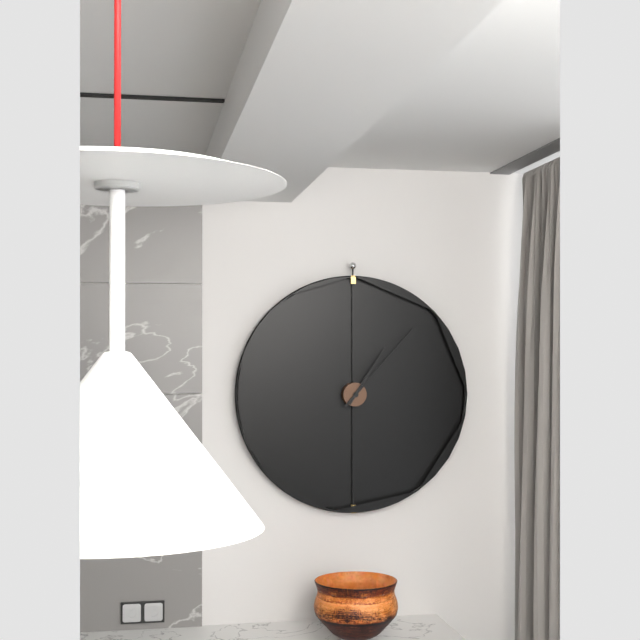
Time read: 1,07
